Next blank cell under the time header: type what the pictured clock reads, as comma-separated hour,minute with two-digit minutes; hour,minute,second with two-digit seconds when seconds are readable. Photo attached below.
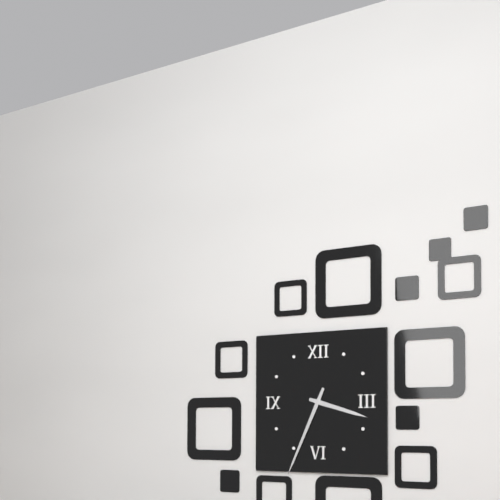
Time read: 3,34
